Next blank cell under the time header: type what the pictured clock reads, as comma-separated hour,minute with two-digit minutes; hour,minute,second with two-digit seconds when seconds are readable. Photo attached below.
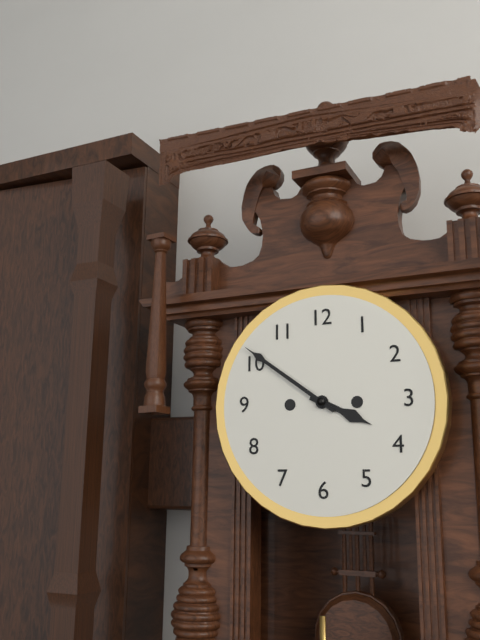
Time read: 3,51
